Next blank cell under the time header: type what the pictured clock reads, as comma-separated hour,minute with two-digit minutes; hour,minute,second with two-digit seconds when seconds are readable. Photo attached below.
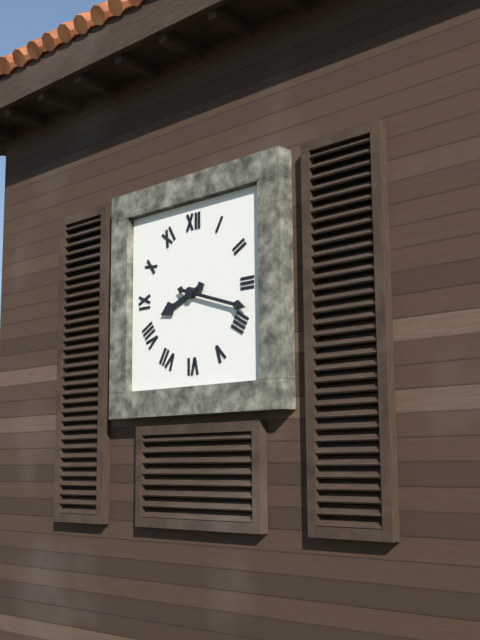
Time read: 8,18
